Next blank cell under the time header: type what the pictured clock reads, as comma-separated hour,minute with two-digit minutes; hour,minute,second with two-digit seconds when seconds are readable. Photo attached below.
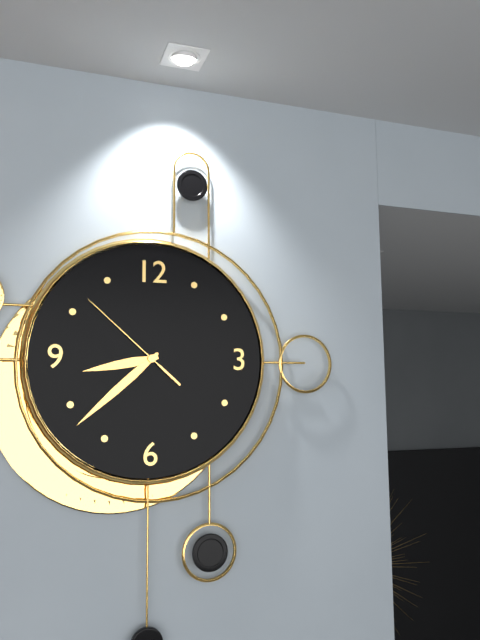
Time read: 8,38,52
